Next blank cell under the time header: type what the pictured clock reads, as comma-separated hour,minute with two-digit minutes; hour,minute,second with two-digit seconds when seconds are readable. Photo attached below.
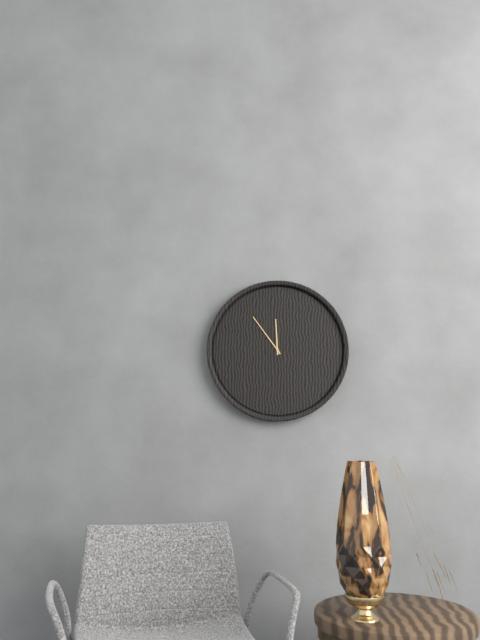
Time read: 11,54
